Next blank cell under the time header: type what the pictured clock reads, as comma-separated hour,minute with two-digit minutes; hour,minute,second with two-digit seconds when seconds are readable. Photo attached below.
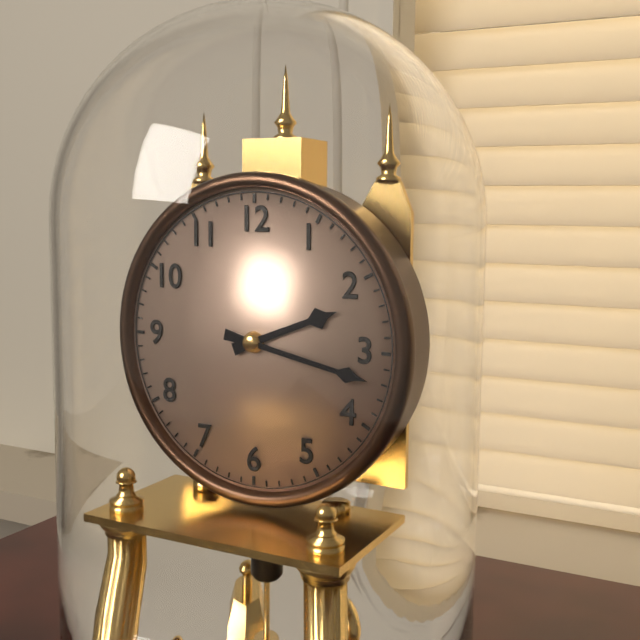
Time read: 2,17
